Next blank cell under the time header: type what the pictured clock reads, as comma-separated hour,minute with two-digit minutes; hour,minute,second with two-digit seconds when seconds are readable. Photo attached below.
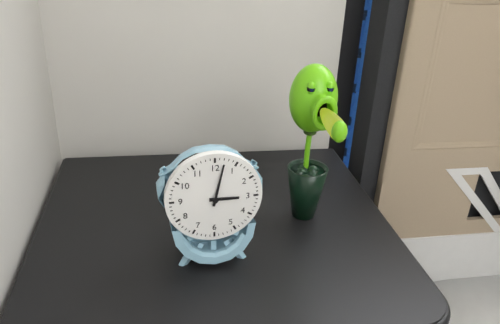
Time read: 3,02
